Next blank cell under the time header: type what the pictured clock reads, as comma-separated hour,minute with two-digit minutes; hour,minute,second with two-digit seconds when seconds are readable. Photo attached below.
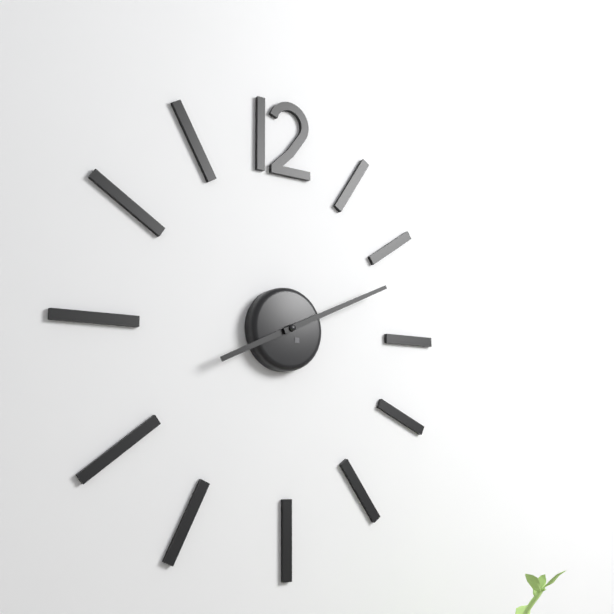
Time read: 8,11
